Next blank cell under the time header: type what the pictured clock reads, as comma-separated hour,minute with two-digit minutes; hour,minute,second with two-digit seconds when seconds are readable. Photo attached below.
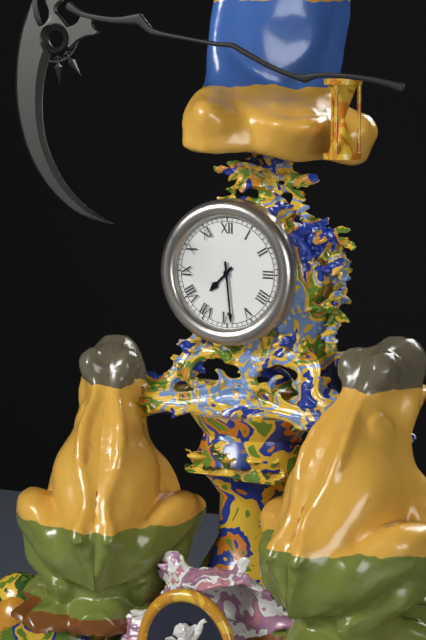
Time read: 7,29
